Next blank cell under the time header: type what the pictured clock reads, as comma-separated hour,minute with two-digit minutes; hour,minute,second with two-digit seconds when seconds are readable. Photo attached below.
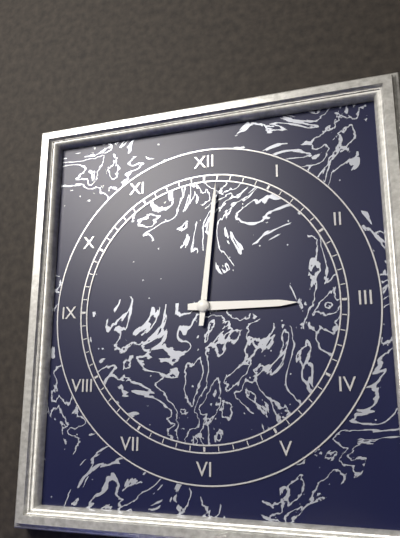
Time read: 3,01
